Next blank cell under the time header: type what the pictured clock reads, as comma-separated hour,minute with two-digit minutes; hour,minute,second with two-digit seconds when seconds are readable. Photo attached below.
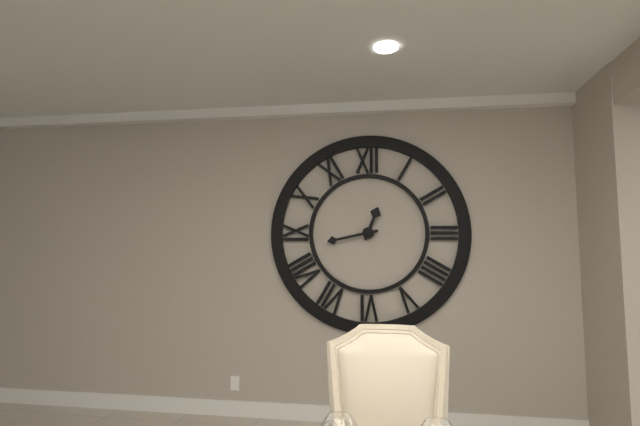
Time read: 12,43
